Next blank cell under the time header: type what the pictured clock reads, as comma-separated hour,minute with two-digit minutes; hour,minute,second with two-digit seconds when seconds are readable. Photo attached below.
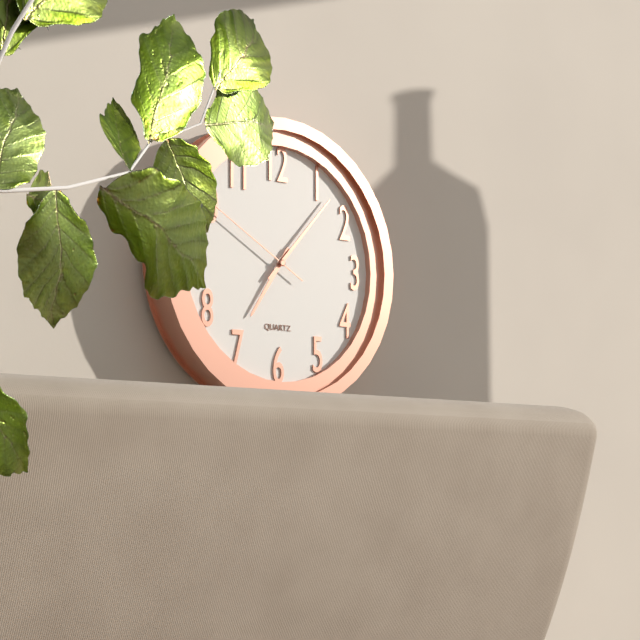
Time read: 7,07,50
